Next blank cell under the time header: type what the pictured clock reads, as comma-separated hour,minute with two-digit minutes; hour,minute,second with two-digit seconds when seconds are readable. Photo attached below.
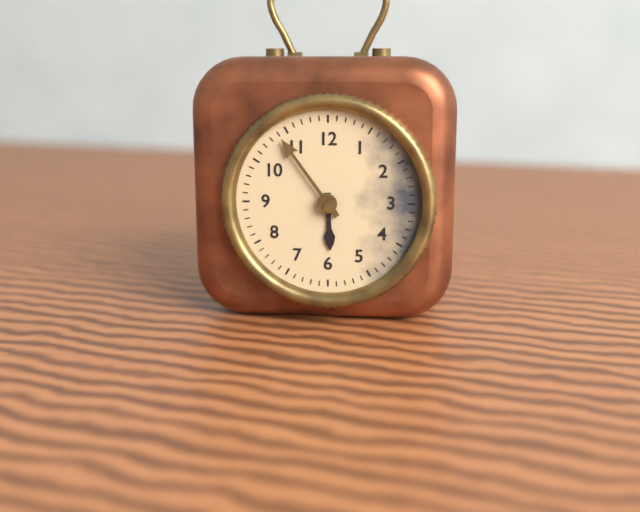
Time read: 5,54
